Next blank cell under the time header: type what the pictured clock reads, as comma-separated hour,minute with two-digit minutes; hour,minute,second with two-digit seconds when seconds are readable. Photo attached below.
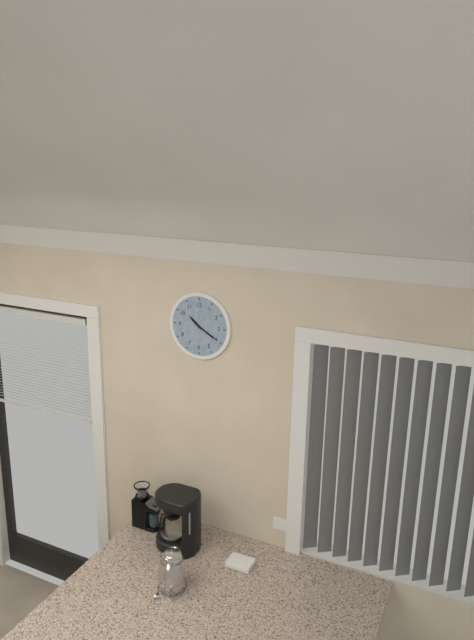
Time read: 10,20
